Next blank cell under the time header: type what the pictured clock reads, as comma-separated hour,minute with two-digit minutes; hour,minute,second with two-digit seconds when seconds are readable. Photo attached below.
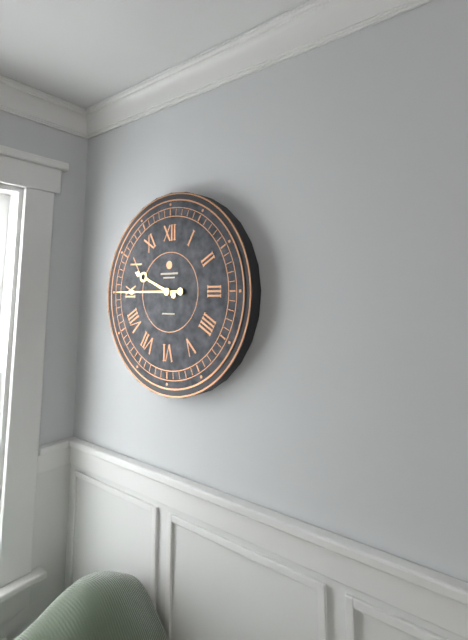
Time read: 9,45
